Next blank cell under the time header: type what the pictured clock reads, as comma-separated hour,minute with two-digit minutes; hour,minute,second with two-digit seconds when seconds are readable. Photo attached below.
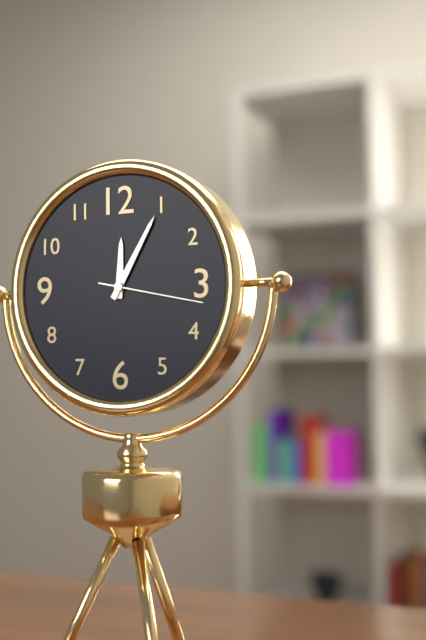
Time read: 12,05,17
